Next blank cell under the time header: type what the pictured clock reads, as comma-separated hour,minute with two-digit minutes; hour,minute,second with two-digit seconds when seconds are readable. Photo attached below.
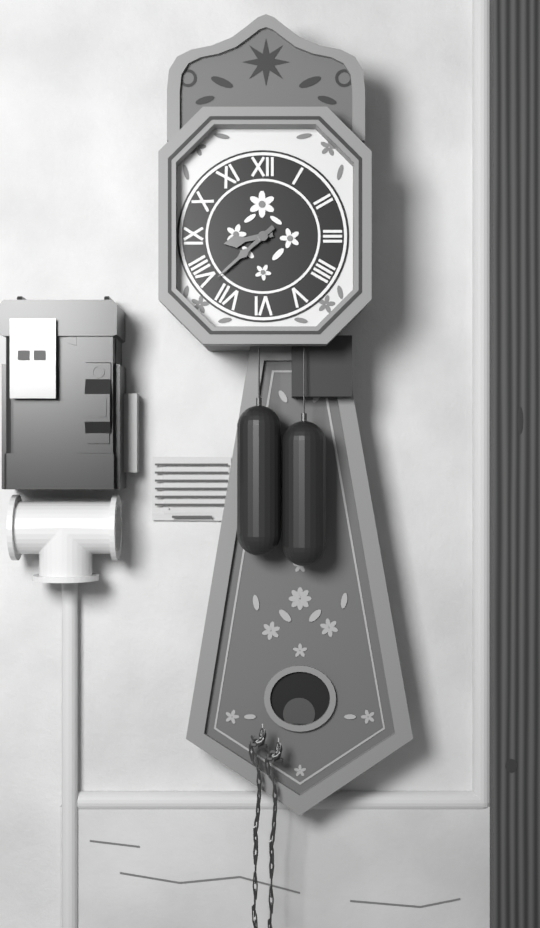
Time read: 8,38
